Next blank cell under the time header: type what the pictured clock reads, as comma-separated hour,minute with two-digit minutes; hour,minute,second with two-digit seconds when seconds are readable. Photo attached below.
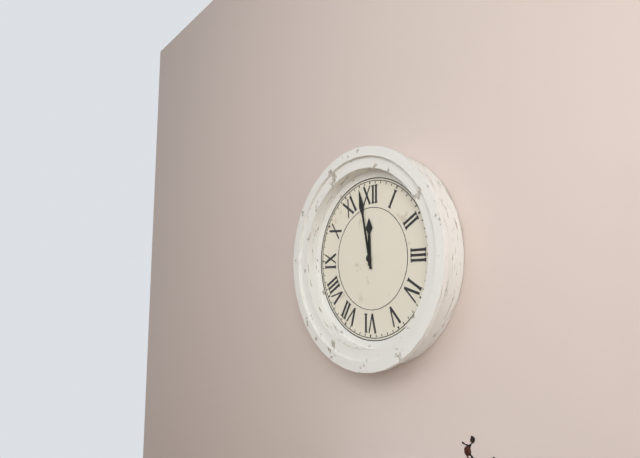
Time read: 11,58
